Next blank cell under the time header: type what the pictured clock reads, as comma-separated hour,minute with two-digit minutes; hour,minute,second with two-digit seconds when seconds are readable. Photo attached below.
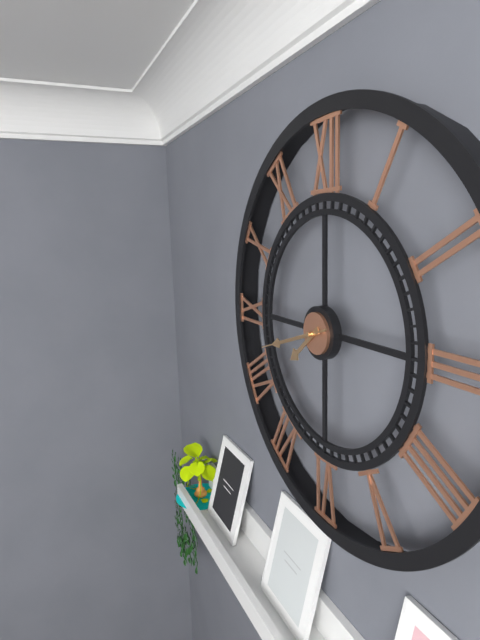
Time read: 7,42,42
